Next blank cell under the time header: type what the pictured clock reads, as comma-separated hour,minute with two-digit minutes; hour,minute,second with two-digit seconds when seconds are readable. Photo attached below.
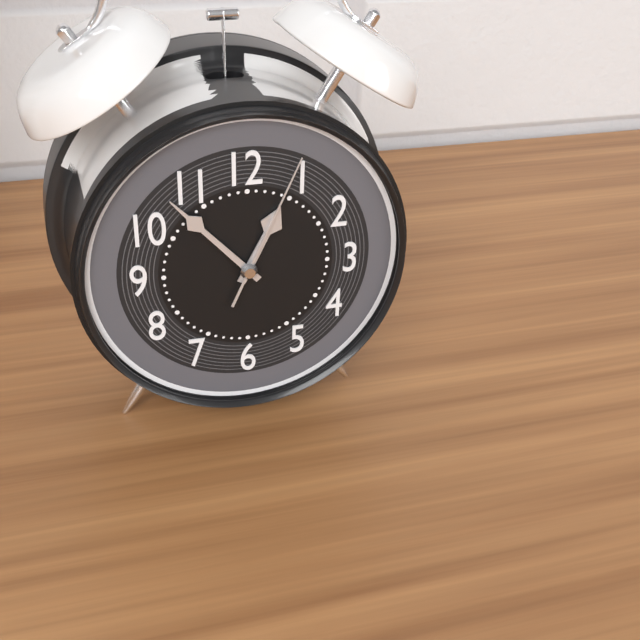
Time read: 12,53,04
